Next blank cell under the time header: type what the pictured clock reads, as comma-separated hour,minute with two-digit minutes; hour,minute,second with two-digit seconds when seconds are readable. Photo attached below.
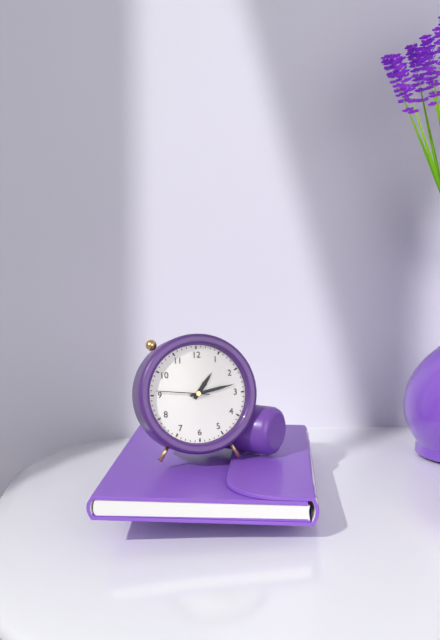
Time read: 1,13,46
